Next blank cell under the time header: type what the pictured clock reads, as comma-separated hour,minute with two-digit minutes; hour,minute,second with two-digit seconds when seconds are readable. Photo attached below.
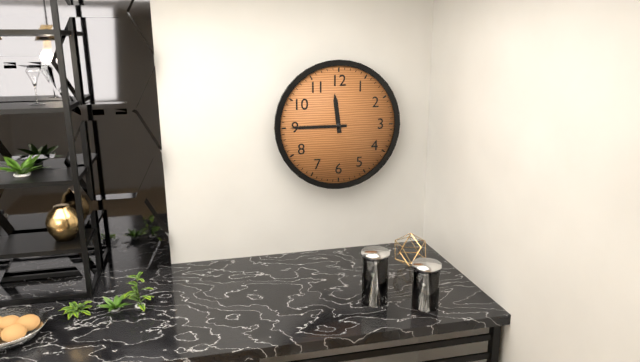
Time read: 11,45
